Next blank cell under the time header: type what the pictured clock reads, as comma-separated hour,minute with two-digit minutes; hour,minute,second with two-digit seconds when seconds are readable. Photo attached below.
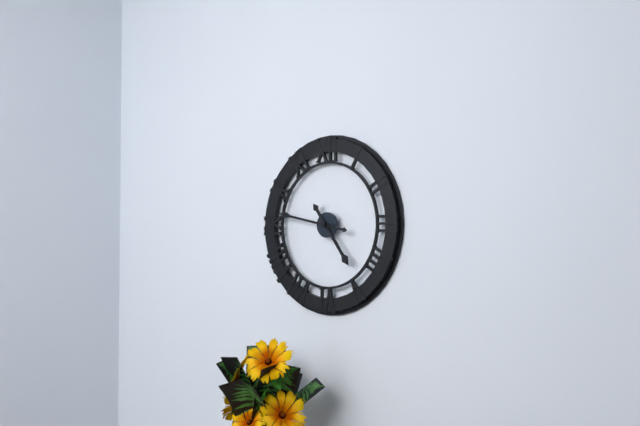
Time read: 4,47
